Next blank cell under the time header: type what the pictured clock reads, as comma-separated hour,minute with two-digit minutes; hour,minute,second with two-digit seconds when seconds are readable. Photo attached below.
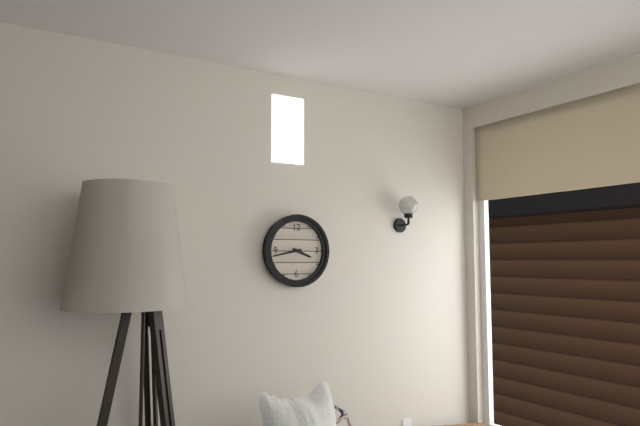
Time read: 3,43
